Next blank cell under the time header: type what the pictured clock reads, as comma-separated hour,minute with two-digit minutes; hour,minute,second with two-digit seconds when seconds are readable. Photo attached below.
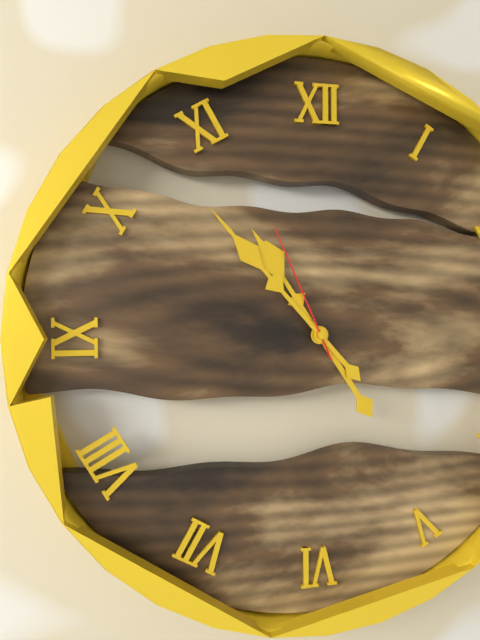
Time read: 10,53,56
